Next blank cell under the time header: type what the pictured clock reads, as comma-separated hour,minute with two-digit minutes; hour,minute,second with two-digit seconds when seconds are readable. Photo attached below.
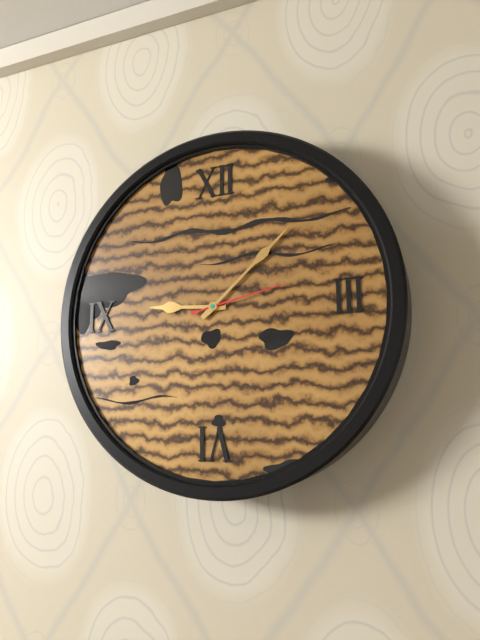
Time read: 9,08,13
